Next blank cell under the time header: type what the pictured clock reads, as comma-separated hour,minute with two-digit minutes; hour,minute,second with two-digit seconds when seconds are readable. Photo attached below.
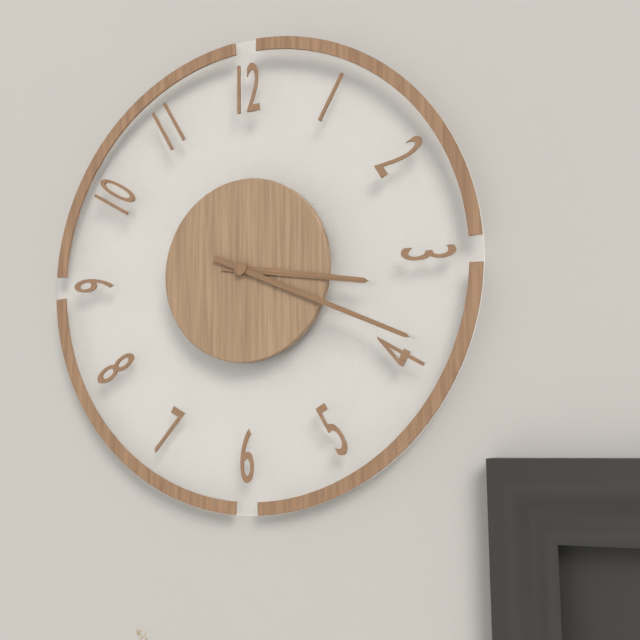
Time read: 3,19
